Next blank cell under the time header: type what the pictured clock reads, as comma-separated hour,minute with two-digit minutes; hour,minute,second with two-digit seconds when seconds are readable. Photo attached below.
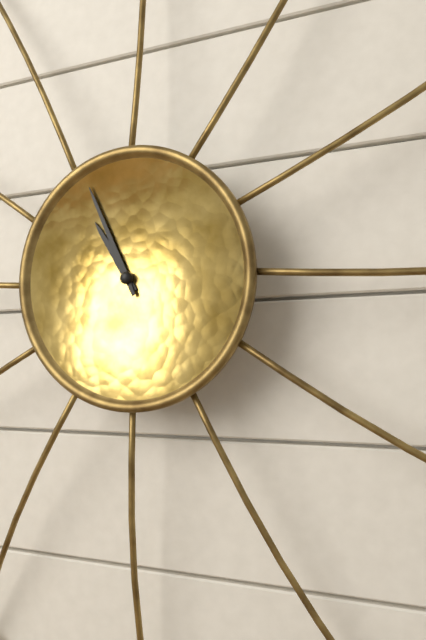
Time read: 10,56
